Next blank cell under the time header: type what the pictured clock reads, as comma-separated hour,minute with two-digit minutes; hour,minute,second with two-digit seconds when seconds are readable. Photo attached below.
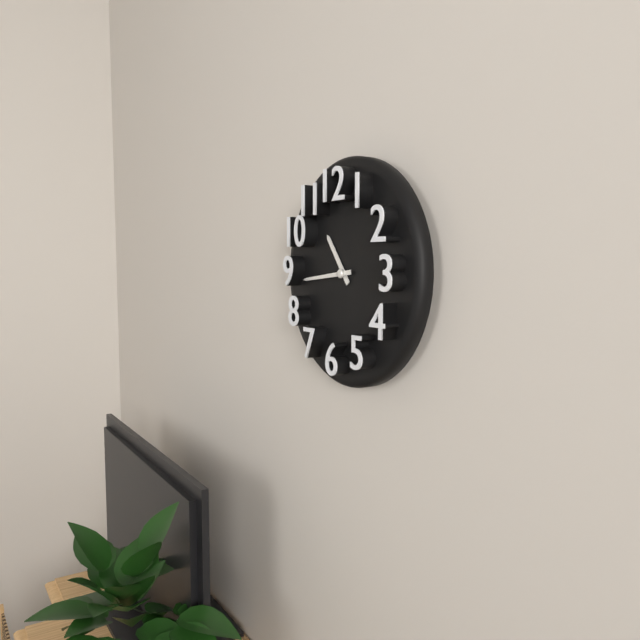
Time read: 10,44
